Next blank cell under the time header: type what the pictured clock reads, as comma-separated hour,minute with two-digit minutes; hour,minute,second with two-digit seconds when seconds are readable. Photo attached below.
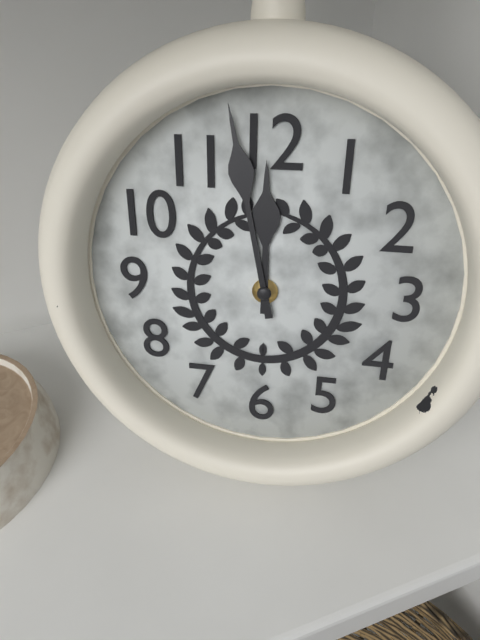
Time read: 11,58
